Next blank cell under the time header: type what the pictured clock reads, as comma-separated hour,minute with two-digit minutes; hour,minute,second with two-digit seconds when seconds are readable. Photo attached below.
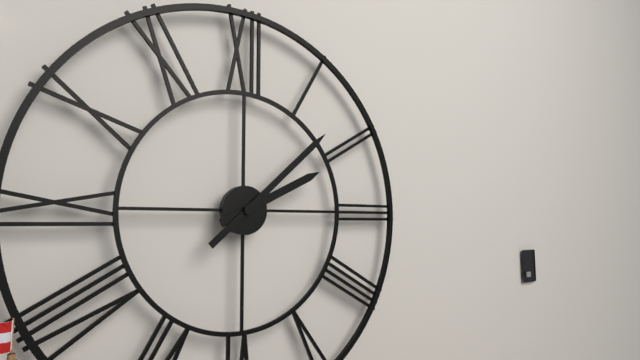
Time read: 2,08
